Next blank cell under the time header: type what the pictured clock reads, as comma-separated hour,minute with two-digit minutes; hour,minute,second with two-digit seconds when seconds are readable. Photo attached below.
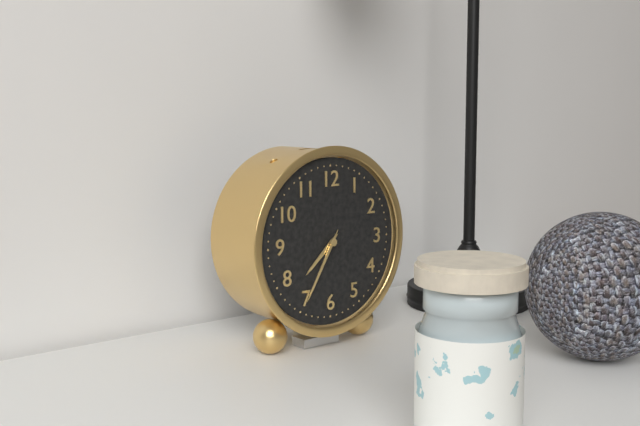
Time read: 7,35
